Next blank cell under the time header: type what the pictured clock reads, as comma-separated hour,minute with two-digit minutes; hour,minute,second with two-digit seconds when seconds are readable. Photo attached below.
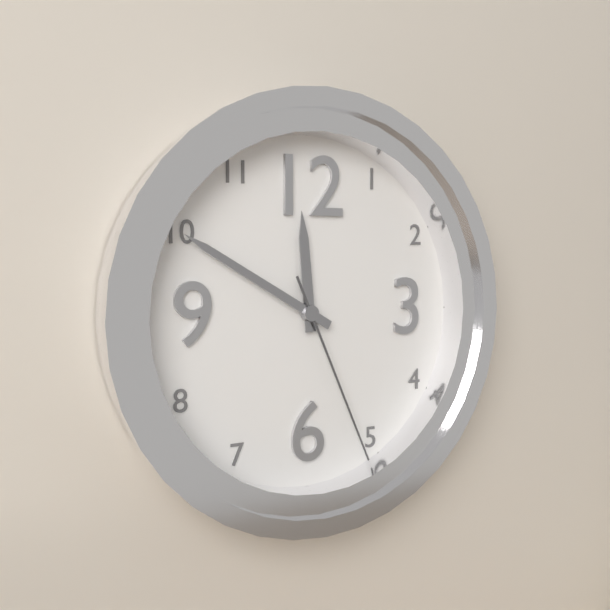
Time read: 11,50,26
